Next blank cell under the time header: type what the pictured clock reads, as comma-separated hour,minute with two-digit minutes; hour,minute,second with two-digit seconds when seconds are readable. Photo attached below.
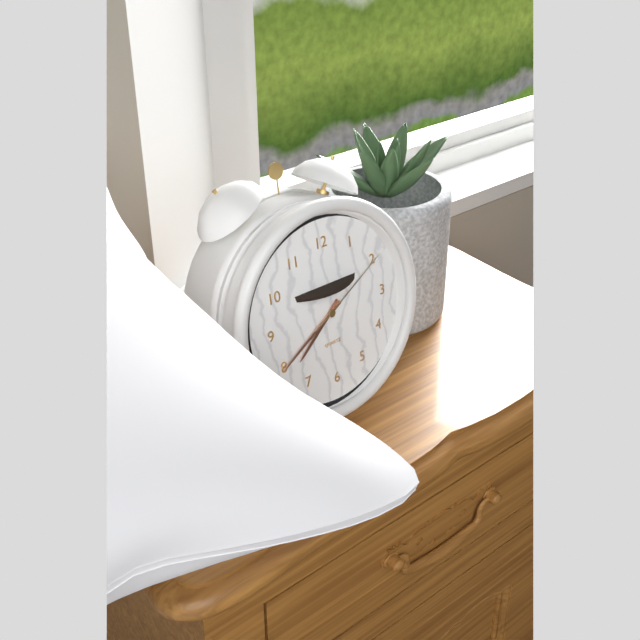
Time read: 7,40,10
